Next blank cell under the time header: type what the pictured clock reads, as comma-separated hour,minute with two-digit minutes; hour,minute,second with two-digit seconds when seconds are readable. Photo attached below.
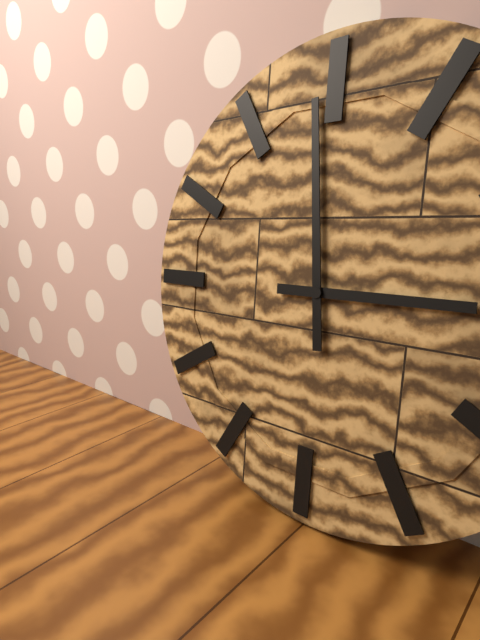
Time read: 2,59
